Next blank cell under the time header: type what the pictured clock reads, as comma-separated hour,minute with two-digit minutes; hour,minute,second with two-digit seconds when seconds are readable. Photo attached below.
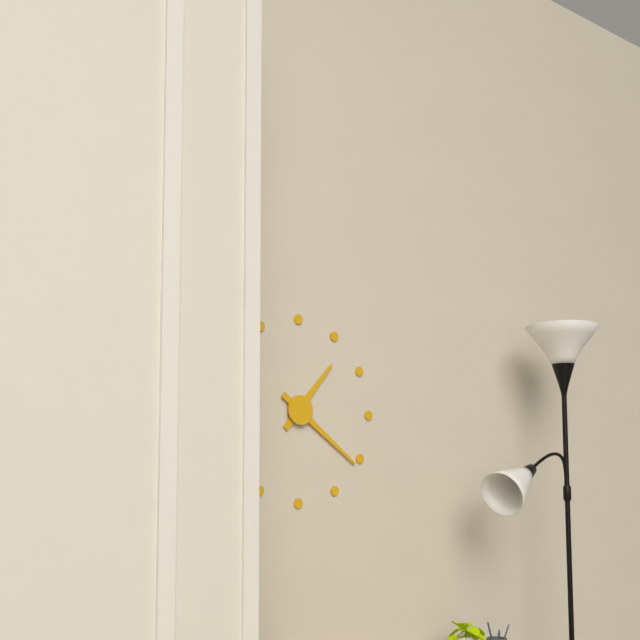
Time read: 1,21
